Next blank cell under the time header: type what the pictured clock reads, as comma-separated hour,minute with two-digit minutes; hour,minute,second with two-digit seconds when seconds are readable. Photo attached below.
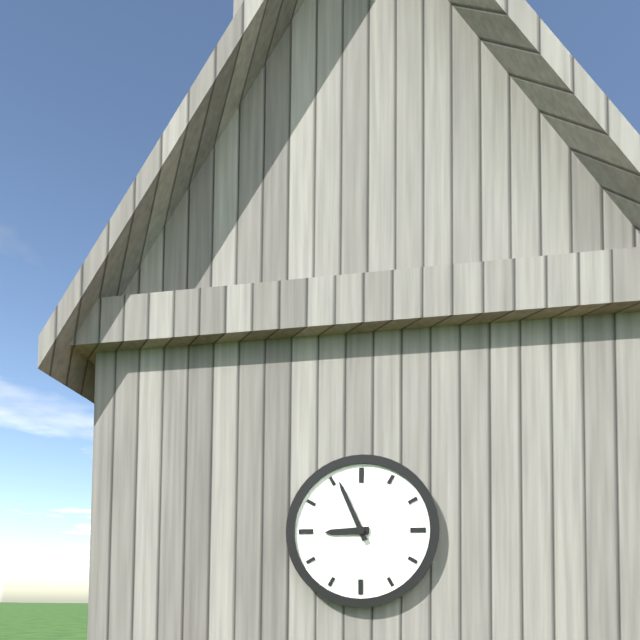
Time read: 8,56
